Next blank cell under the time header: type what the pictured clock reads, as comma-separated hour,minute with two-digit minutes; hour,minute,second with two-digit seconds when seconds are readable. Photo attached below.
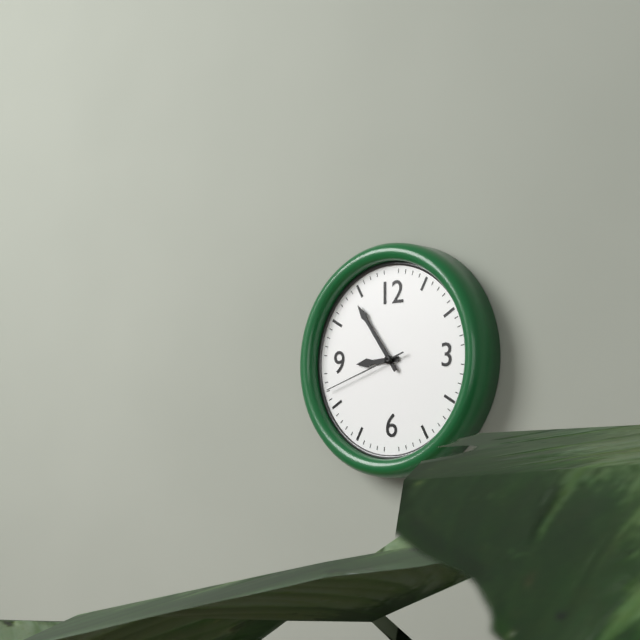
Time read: 8,54,42
